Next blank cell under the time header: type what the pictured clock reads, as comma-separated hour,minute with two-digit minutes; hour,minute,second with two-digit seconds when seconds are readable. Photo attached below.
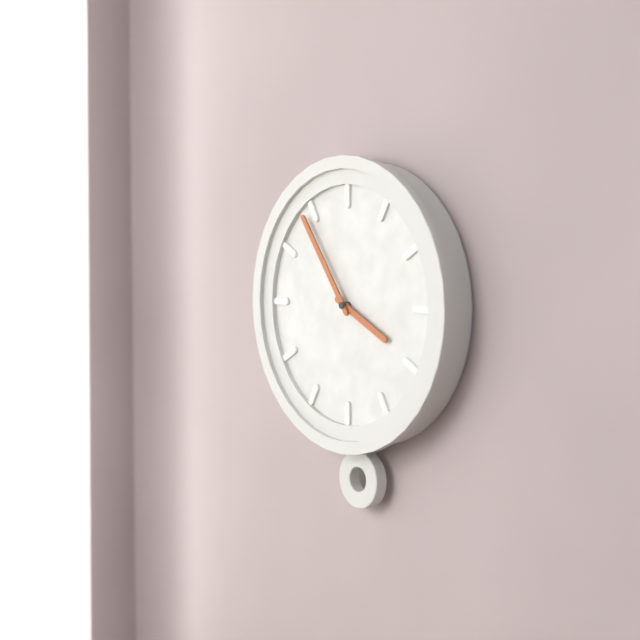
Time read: 3,54
